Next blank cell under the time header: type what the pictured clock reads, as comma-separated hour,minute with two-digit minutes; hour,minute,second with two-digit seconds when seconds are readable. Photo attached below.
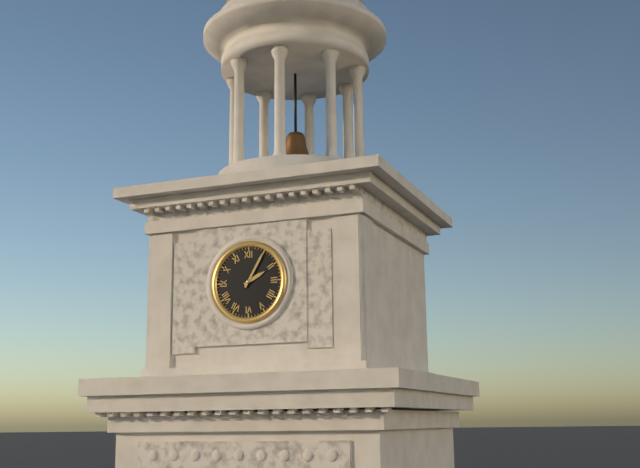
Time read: 2,05
